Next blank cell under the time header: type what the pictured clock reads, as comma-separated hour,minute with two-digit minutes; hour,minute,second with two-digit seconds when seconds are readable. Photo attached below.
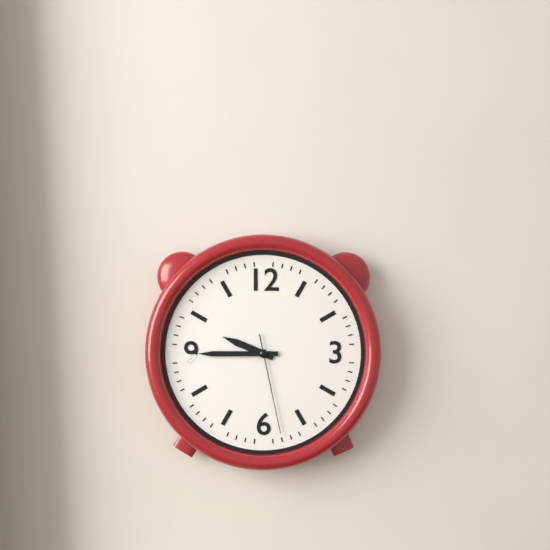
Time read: 9,45,28
